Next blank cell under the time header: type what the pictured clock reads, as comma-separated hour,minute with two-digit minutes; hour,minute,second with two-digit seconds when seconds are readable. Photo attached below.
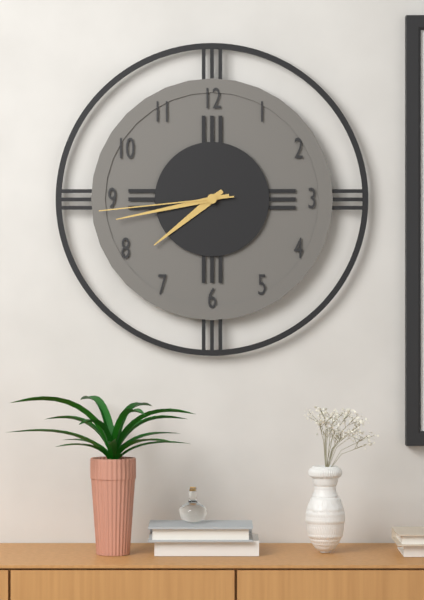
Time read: 7,43,44
